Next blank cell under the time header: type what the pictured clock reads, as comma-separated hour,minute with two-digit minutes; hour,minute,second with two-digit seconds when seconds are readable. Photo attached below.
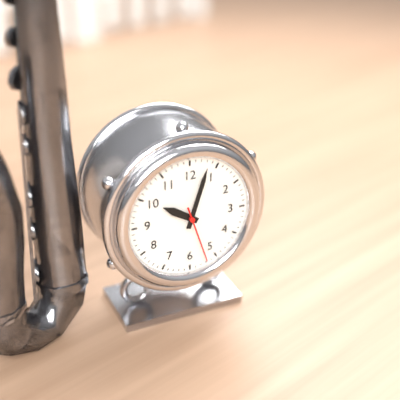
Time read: 10,03,27
